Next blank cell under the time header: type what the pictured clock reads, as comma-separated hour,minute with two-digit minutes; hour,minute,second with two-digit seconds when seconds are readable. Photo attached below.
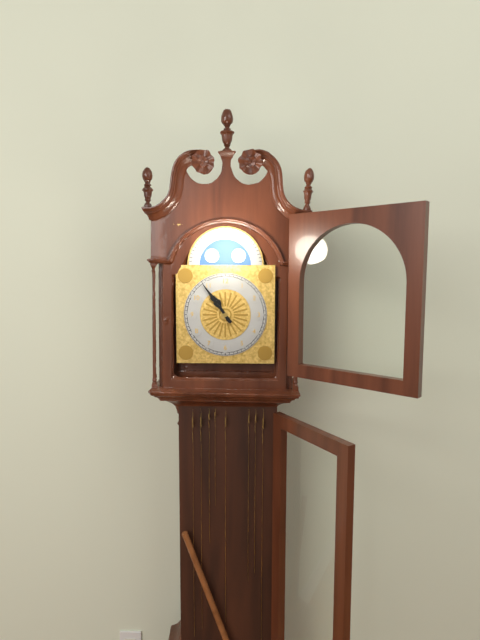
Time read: 10,54
